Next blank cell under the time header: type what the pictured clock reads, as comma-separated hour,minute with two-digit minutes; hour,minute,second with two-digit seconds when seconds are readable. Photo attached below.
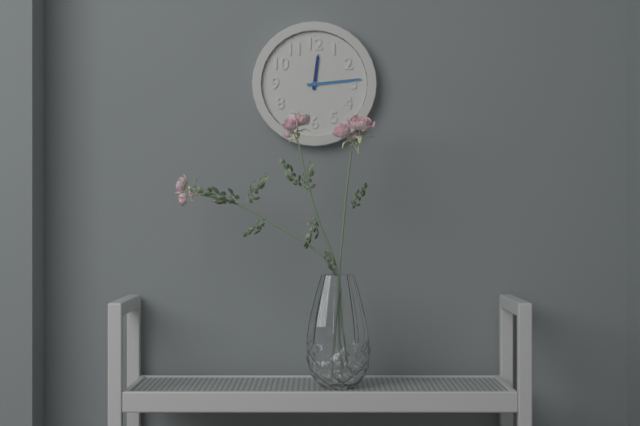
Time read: 12,14
